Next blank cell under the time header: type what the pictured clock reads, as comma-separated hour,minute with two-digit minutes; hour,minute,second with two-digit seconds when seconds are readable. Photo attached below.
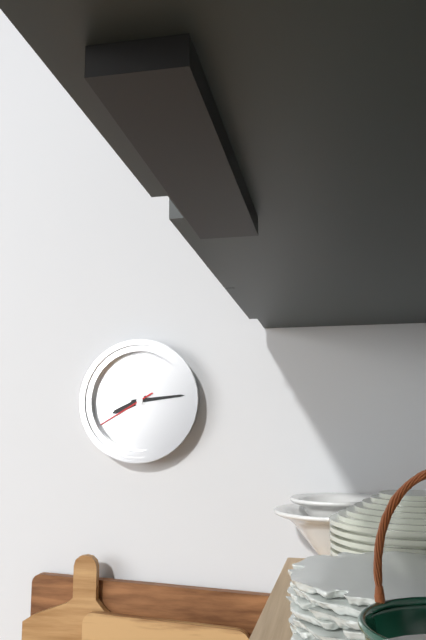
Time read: 8,14,40
